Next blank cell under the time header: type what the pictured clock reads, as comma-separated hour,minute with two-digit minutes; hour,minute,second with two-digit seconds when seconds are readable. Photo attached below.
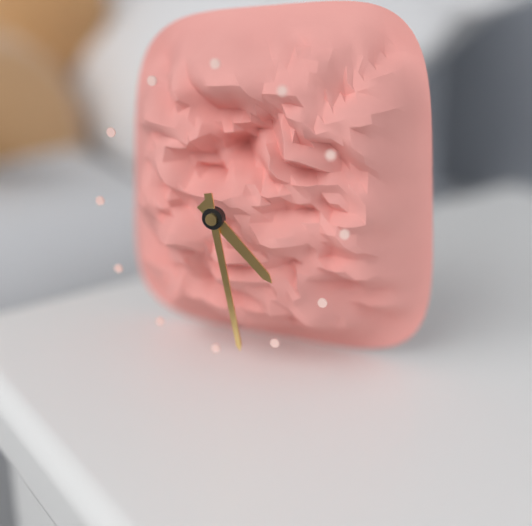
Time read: 4,28
